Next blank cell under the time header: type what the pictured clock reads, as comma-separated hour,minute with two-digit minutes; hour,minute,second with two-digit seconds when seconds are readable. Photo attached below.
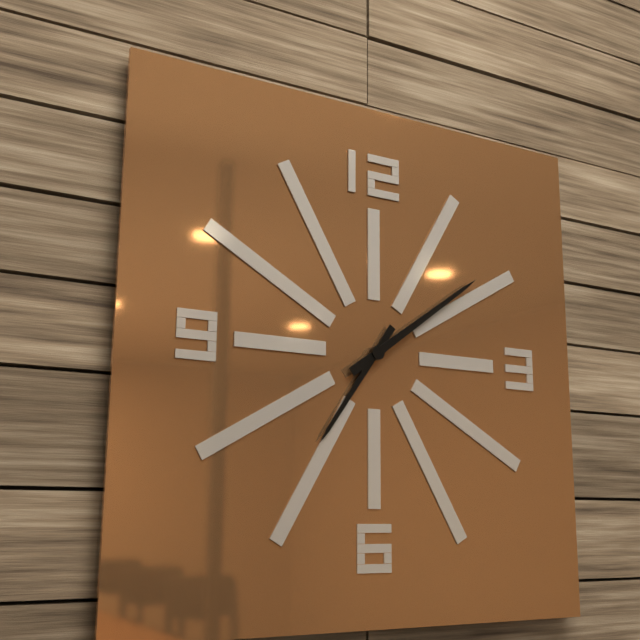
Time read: 7,09
